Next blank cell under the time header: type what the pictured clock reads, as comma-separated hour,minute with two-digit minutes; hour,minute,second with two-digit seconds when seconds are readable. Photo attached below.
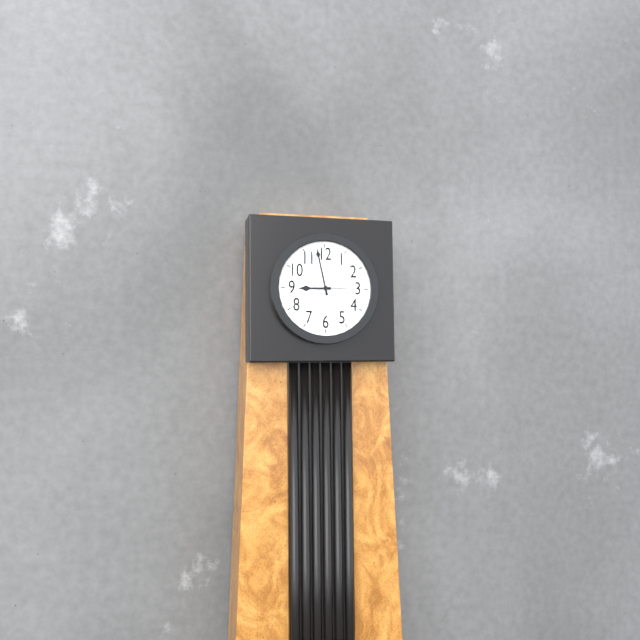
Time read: 8,58
